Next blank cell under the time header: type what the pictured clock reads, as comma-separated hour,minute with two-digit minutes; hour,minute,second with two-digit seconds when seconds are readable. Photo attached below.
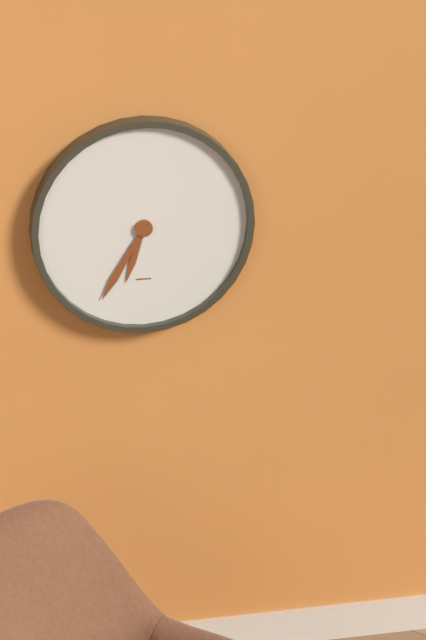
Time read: 6,35
